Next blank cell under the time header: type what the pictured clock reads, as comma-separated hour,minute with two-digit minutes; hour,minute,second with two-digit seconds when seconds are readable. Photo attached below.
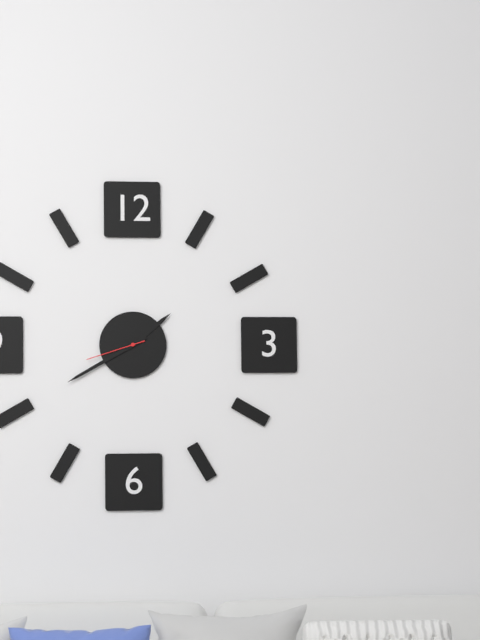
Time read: 1,40,42
